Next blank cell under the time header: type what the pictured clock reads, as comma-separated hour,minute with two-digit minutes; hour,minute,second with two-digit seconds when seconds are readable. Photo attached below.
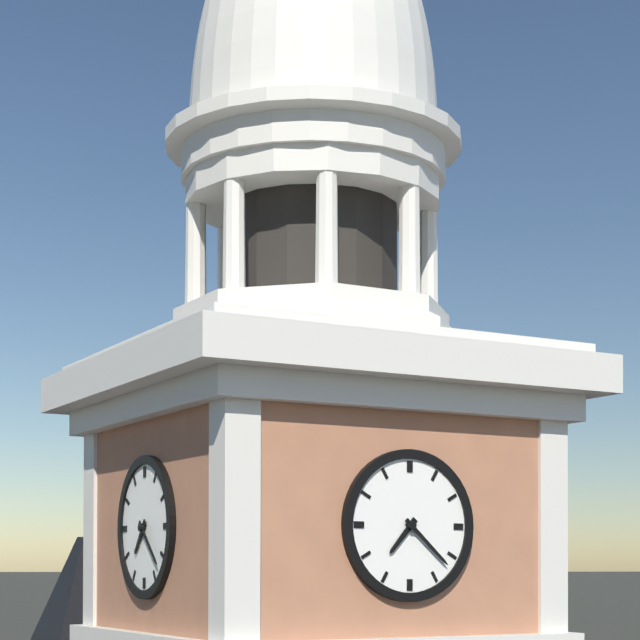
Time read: 7,22
